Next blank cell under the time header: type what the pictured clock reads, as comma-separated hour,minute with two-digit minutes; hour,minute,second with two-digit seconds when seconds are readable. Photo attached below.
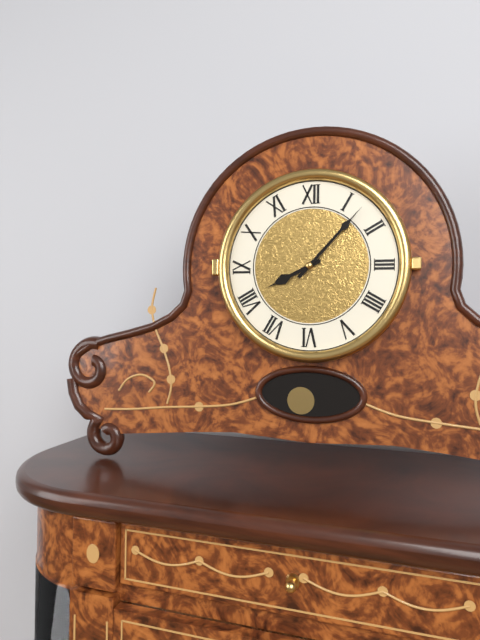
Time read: 8,07
